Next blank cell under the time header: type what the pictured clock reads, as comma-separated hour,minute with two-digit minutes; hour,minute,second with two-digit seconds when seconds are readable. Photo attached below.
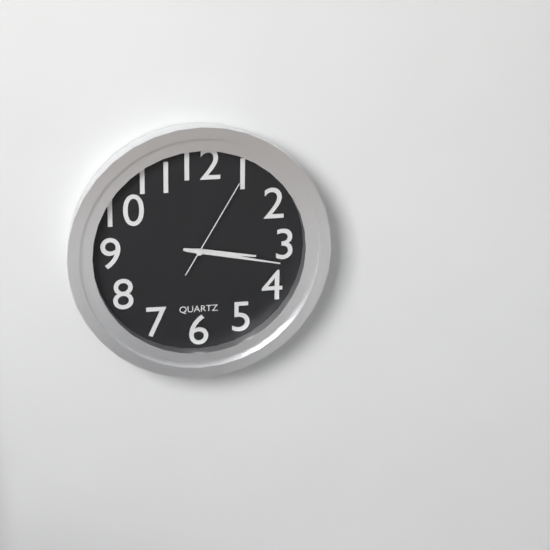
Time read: 3,17,05
